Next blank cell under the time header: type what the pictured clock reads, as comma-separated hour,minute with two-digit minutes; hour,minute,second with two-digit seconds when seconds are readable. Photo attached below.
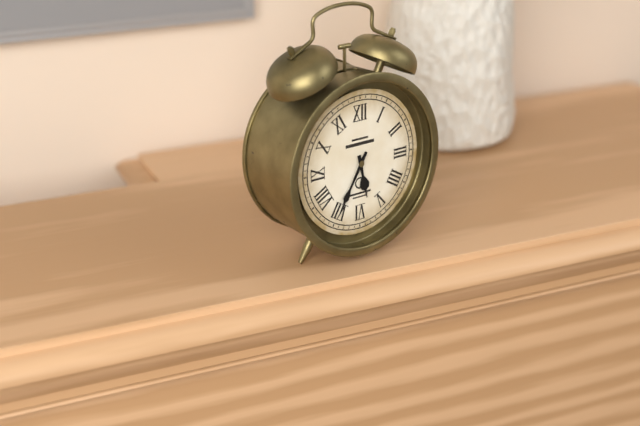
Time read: 5,35
